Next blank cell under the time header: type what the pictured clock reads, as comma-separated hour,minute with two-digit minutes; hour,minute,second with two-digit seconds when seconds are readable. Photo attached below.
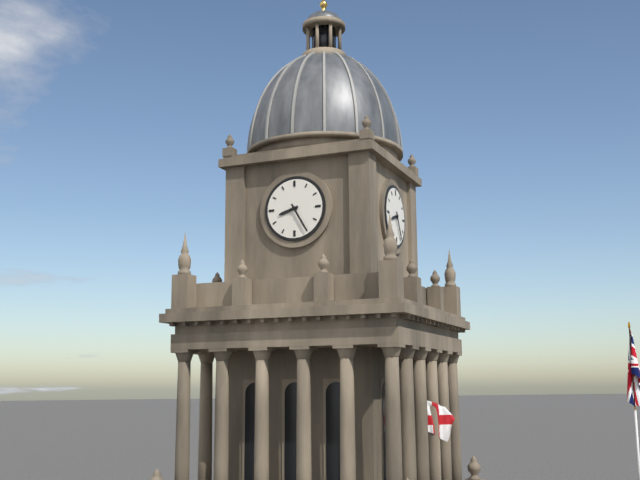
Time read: 8,25
